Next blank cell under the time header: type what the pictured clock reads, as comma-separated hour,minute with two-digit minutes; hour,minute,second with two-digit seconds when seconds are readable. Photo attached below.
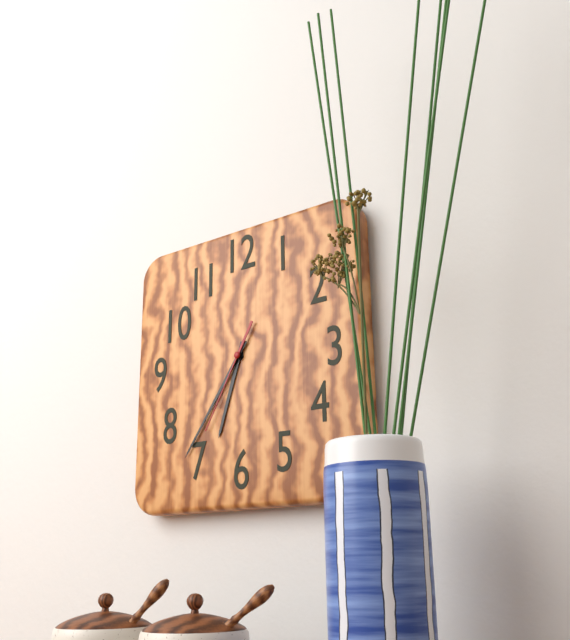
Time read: 6,36,35
